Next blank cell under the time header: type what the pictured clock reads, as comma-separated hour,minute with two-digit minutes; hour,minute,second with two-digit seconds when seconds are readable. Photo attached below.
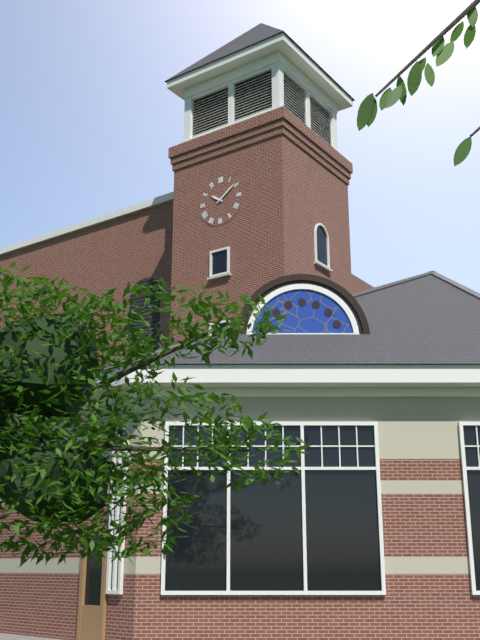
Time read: 10,09
